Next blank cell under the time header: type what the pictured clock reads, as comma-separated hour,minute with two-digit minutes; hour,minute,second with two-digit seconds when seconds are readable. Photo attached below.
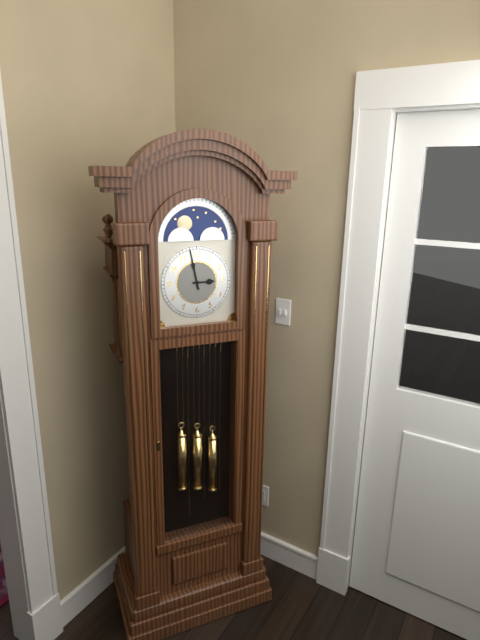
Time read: 2,58
